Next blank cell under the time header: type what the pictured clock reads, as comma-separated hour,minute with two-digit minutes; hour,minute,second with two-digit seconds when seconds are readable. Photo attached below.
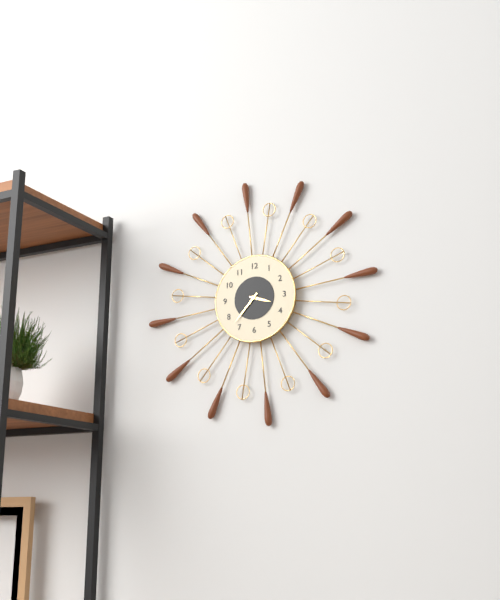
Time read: 3,37
